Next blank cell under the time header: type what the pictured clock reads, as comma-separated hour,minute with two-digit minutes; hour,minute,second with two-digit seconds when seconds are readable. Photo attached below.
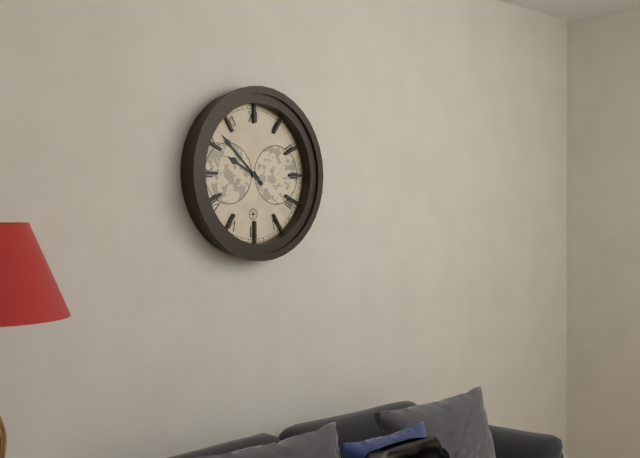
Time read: 9,52
